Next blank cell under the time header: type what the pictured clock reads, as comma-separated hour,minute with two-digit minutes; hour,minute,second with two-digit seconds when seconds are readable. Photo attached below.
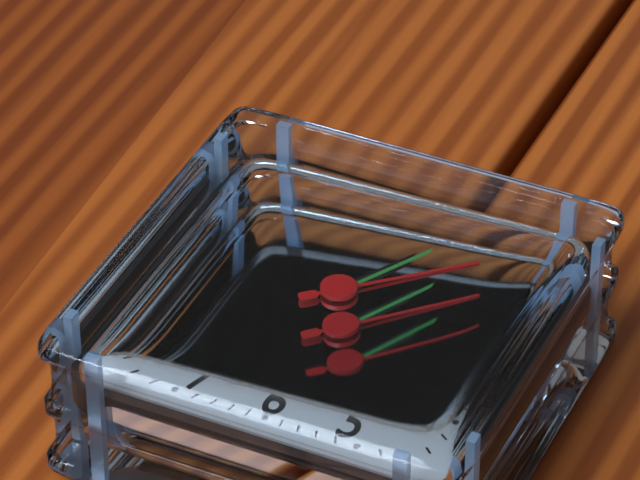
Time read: 12,05,08
